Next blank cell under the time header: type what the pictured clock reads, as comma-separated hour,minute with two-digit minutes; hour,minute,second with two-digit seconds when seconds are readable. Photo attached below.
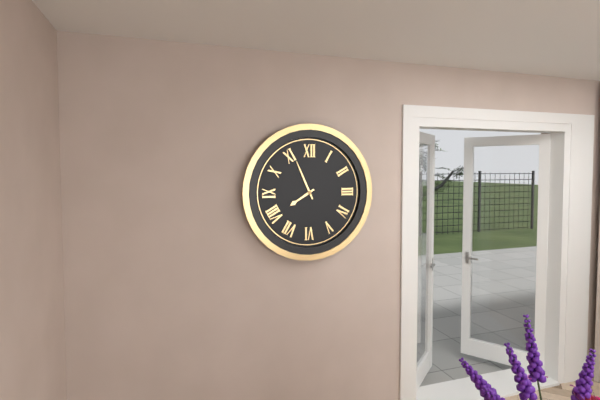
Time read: 7,56
